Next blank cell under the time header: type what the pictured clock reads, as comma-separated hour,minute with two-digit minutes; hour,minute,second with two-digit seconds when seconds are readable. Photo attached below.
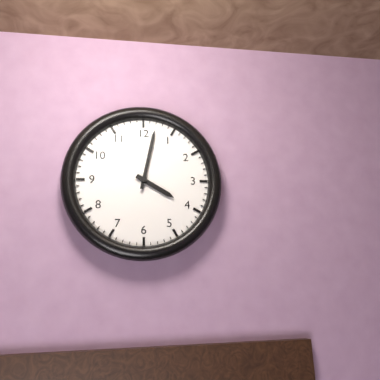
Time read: 4,02
